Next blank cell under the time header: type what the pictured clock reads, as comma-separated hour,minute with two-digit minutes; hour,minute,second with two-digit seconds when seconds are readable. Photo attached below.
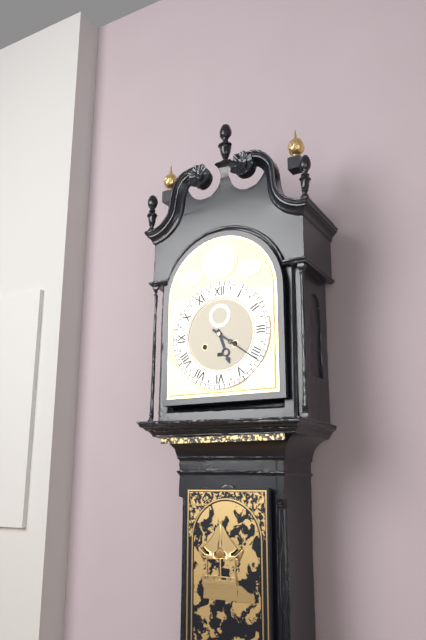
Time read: 5,21
